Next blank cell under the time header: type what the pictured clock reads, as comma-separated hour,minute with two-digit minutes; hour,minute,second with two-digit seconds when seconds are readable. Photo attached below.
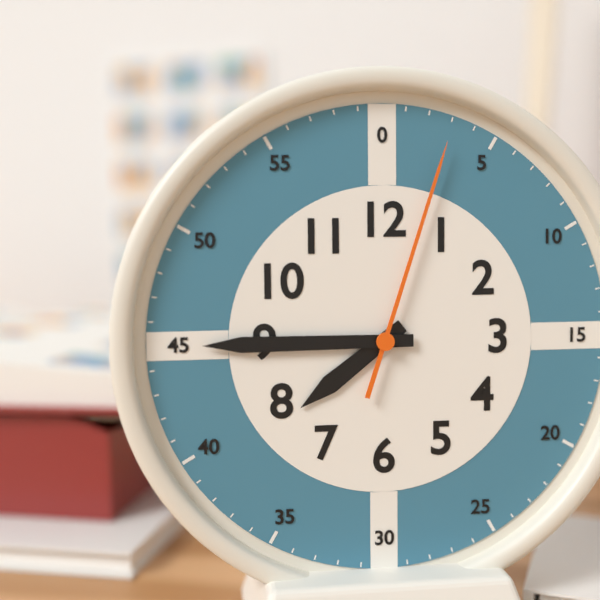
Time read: 7,45,03
